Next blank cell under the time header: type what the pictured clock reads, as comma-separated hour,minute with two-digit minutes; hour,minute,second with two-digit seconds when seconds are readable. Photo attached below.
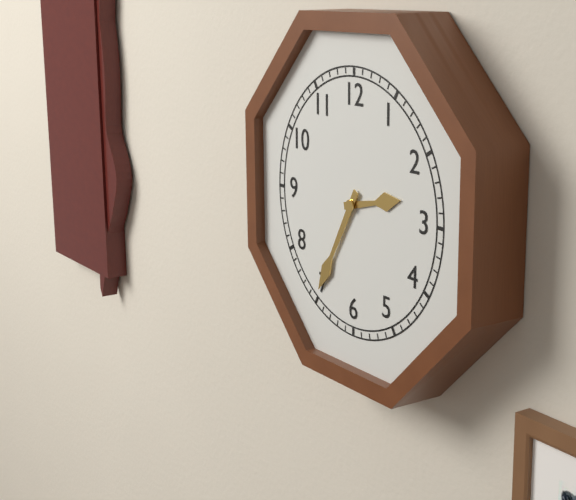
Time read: 2,35
